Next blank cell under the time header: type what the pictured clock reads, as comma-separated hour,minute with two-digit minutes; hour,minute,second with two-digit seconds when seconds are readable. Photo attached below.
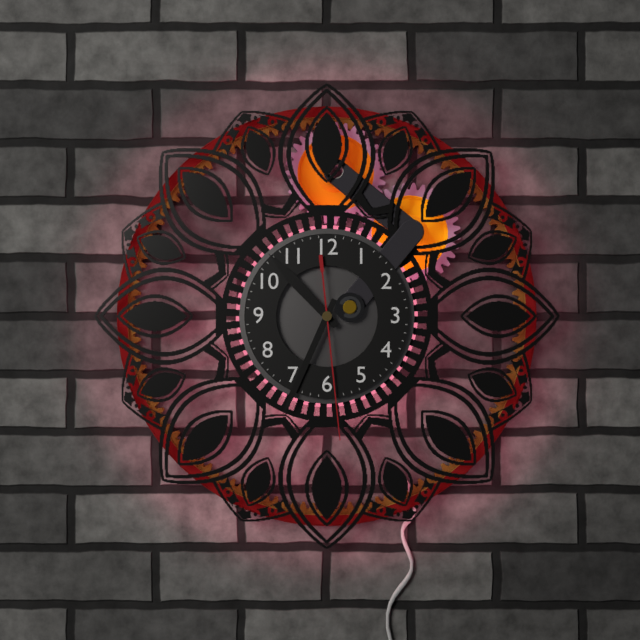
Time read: 10,34,29
